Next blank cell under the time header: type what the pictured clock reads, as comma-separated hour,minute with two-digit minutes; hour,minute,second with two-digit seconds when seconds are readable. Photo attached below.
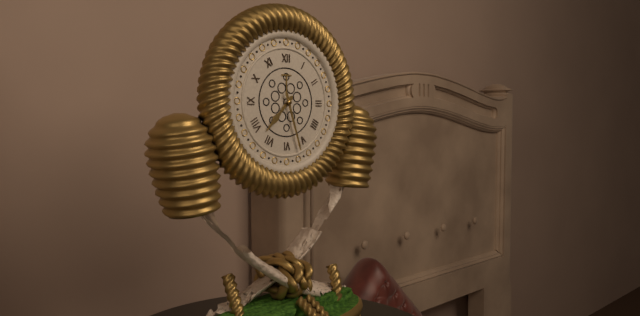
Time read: 7,27
